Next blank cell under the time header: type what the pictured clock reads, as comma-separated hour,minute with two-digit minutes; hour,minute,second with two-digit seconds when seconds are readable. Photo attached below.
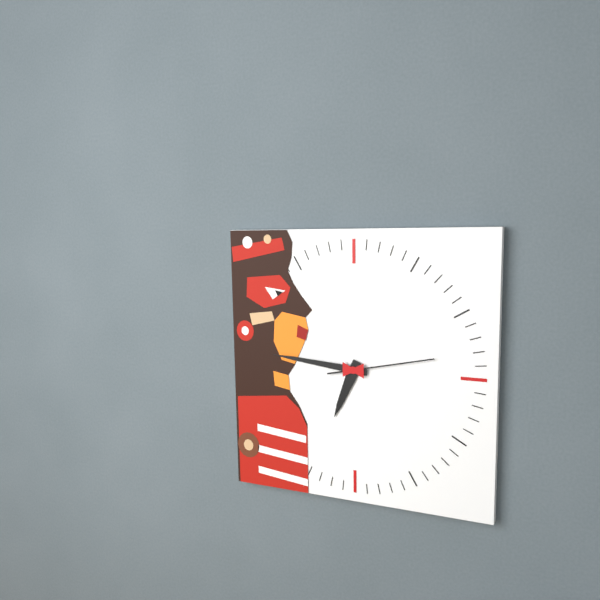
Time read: 6,46,13
